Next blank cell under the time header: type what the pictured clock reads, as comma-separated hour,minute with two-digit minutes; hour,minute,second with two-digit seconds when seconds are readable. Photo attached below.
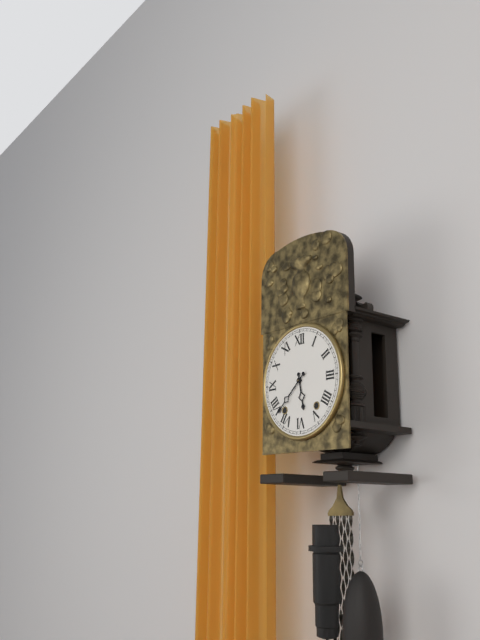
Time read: 5,38
